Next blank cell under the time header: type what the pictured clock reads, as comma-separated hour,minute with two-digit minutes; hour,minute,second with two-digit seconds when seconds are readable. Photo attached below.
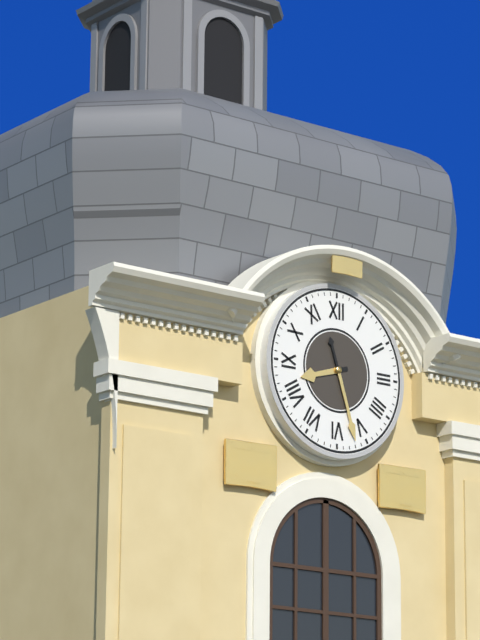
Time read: 8,27
